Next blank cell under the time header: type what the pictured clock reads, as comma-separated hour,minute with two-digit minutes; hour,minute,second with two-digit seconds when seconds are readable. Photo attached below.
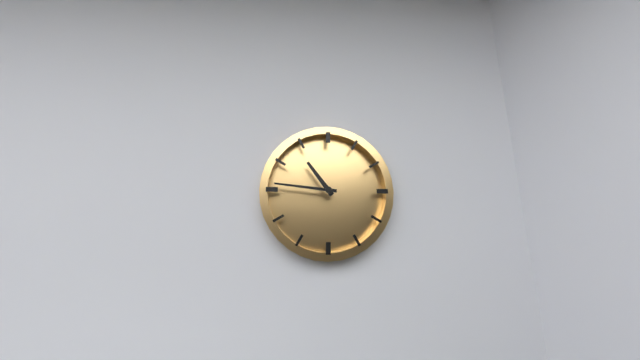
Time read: 10,46
